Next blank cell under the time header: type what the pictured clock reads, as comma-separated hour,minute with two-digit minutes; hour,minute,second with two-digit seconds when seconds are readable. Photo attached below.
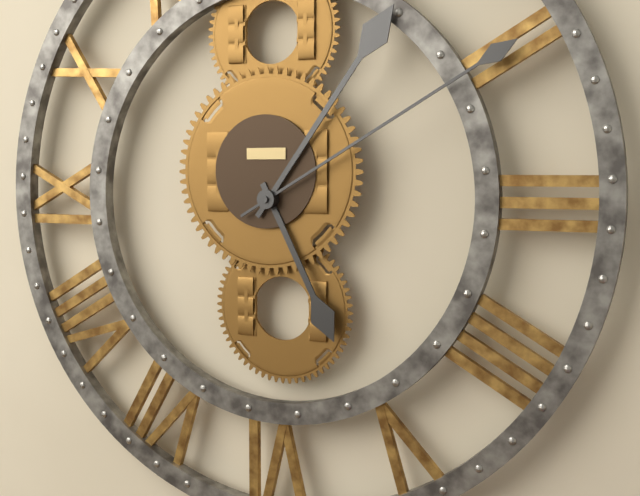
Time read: 5,06,10
